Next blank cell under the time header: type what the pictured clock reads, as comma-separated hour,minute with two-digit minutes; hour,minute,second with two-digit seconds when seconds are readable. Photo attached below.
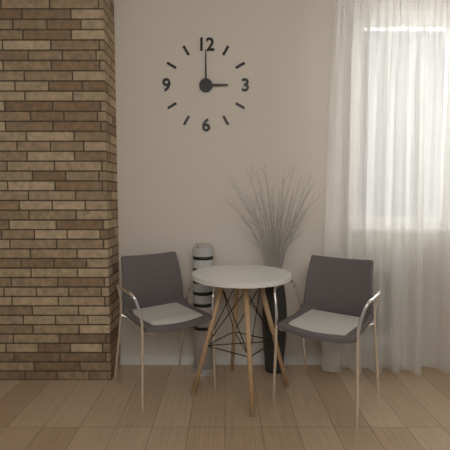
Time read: 3,00
